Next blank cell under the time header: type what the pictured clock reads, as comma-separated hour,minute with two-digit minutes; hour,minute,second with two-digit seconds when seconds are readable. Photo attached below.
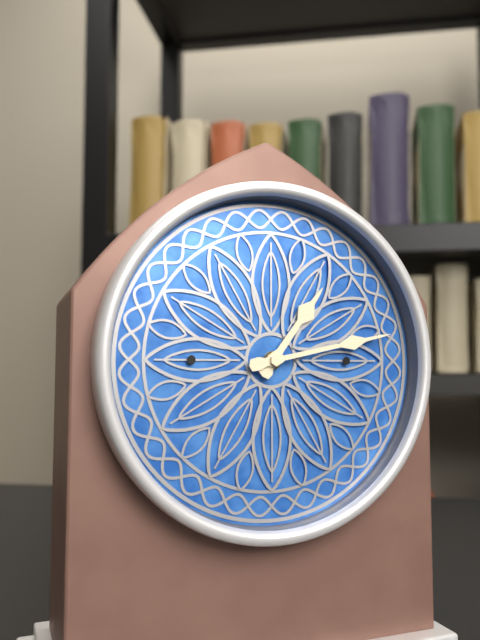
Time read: 1,13
